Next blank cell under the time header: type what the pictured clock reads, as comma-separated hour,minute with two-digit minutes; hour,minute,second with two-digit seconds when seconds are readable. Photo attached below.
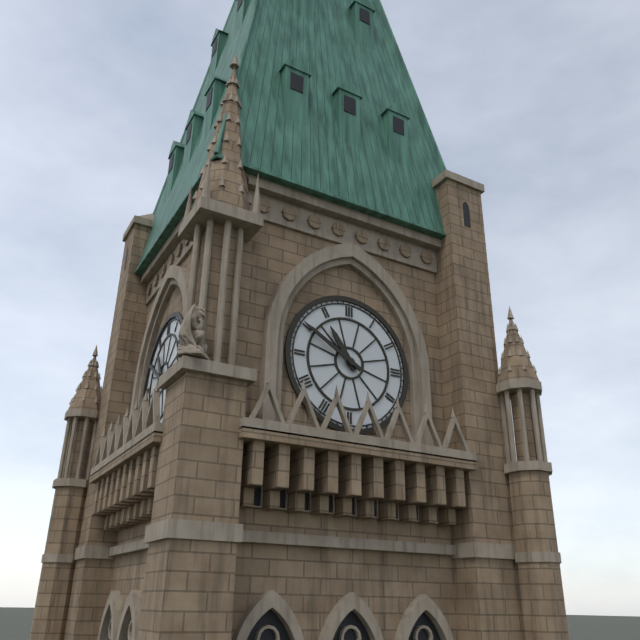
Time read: 10,50
